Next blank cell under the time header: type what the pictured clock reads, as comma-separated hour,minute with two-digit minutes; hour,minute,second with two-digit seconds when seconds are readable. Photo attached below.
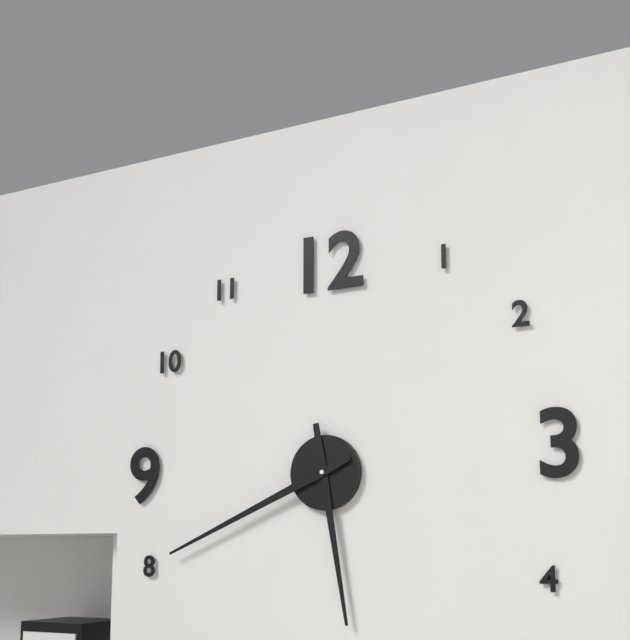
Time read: 5,41
